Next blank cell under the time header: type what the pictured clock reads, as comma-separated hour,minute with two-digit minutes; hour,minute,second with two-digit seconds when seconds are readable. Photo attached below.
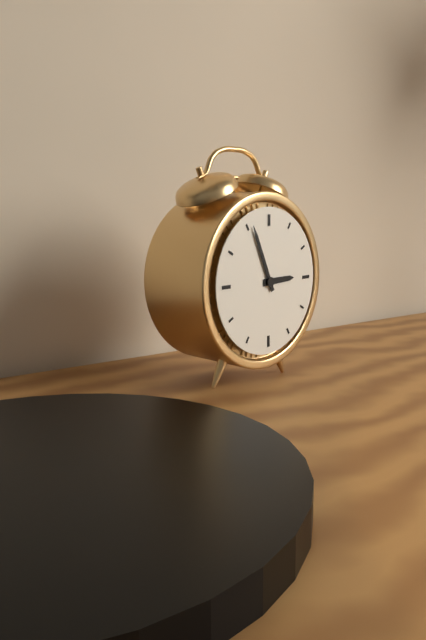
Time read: 2,56
